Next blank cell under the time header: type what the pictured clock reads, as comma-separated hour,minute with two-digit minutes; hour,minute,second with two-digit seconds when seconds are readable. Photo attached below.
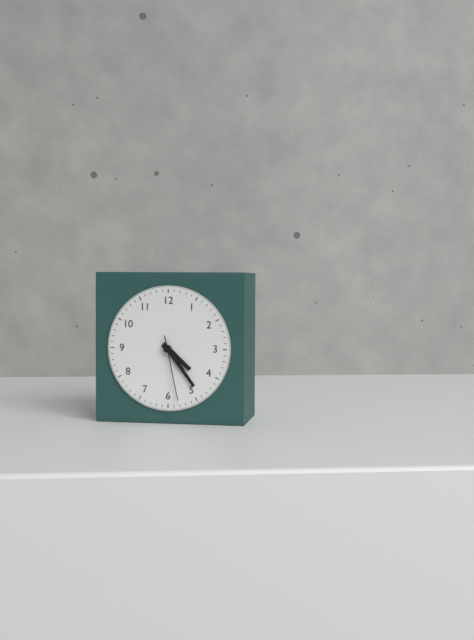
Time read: 4,24,28
